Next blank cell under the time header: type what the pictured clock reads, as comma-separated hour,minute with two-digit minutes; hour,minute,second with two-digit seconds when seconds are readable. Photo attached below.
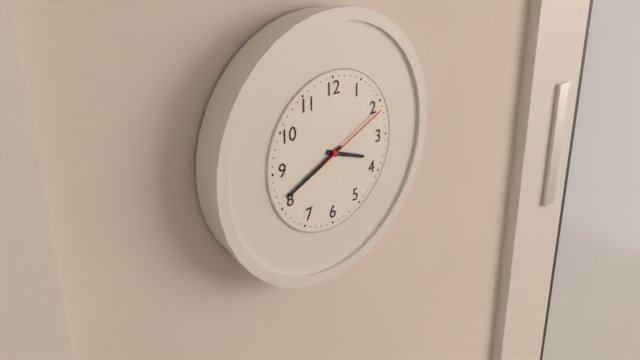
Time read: 3,41,11
